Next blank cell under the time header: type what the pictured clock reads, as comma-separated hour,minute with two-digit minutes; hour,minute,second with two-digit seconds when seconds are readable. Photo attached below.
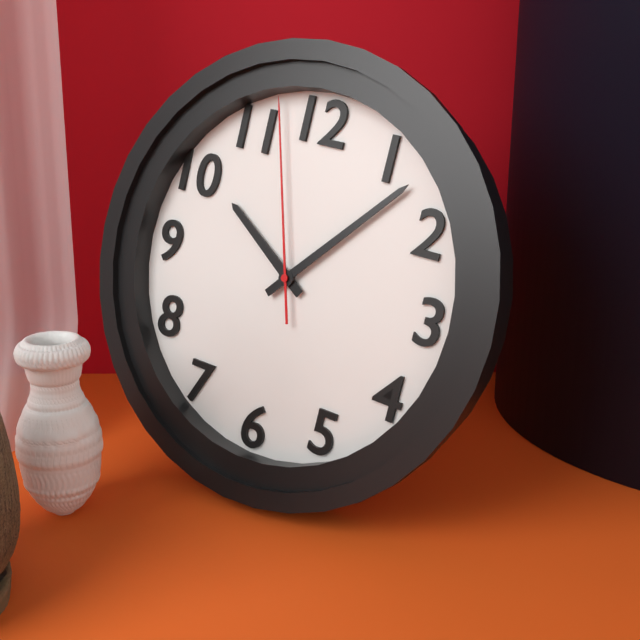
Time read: 10,07,57
